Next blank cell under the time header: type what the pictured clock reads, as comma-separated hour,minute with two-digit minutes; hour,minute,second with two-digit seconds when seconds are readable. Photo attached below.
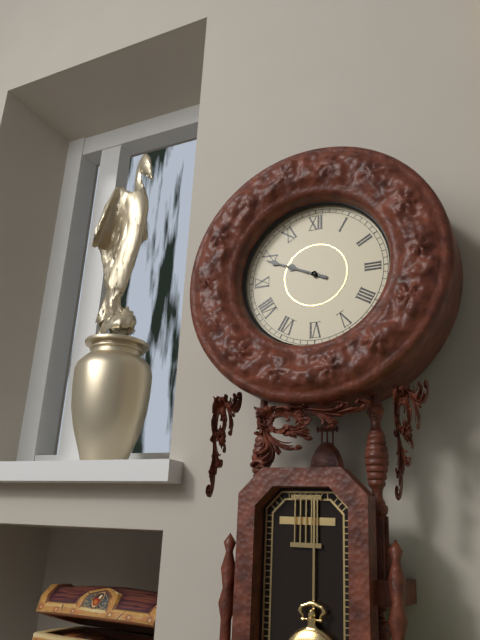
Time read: 9,49
